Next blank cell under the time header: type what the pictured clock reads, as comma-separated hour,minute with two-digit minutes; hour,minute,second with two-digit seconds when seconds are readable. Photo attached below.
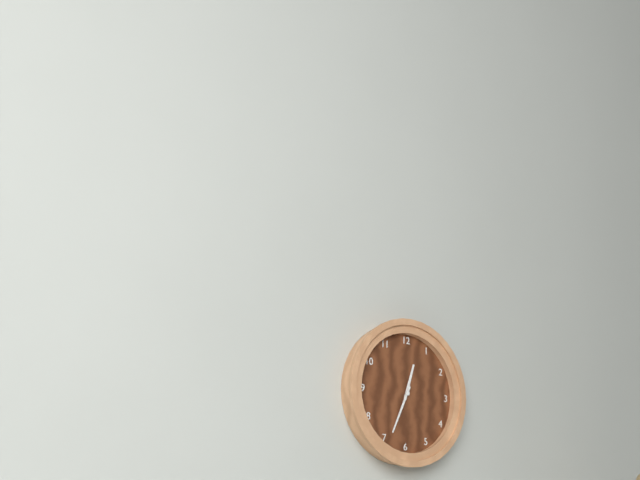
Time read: 12,34
